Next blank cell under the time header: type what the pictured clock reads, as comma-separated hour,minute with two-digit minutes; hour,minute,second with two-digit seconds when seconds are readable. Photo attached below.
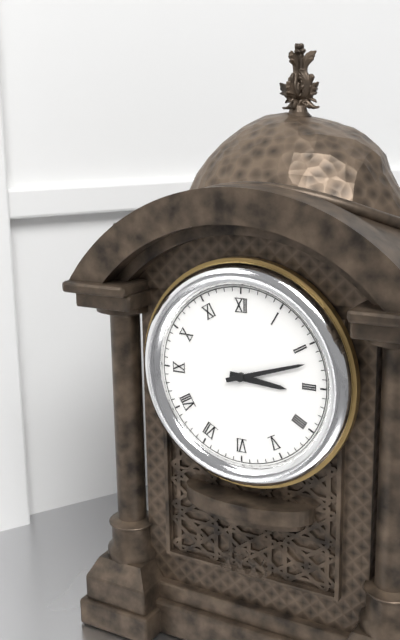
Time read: 3,12
